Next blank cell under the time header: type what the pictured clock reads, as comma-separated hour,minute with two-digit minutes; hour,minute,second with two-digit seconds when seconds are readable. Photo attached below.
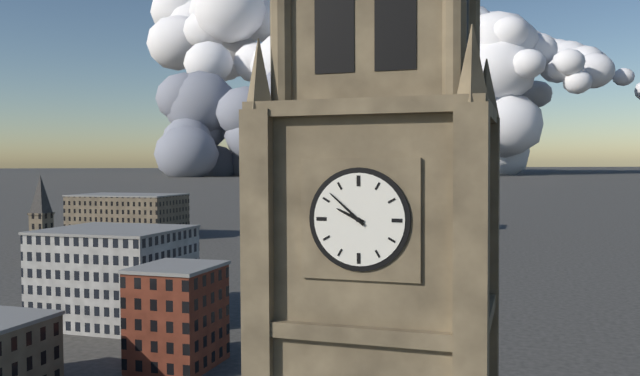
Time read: 9,52
